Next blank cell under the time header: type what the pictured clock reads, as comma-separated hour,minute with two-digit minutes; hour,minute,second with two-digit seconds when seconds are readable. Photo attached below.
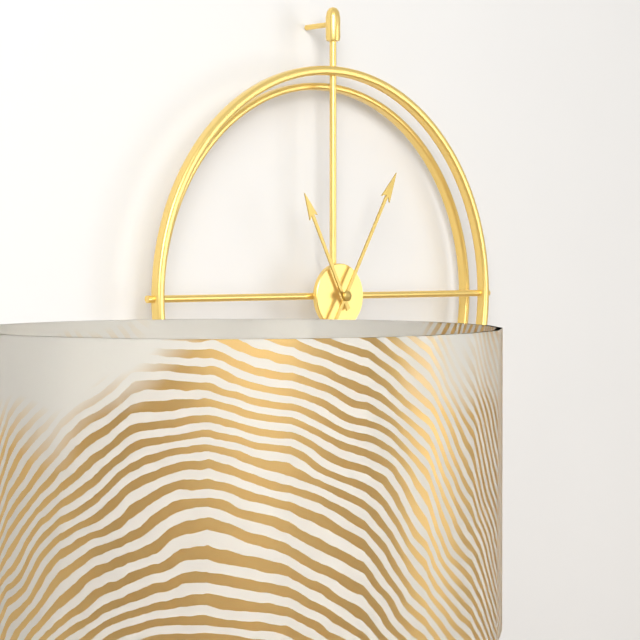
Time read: 11,05
